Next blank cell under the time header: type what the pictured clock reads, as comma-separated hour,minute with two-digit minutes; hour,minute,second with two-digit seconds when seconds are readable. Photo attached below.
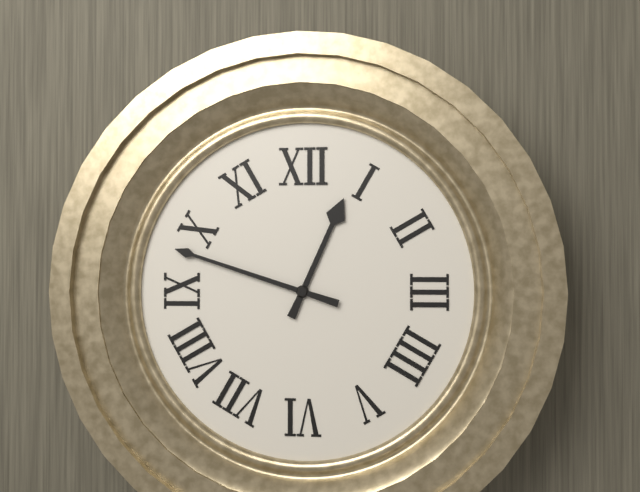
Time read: 12,48
